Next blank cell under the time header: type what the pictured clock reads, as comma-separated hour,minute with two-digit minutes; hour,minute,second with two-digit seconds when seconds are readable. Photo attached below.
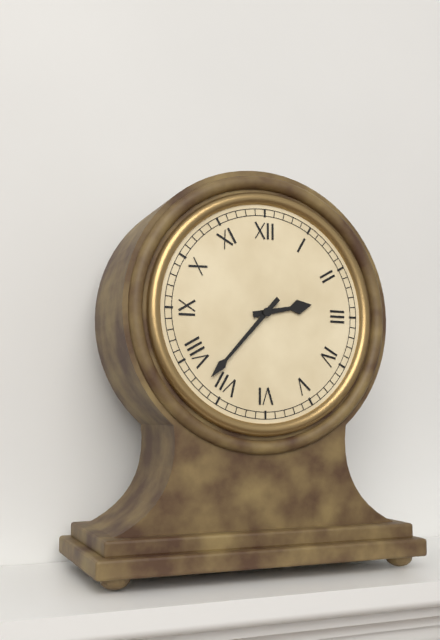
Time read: 2,37
